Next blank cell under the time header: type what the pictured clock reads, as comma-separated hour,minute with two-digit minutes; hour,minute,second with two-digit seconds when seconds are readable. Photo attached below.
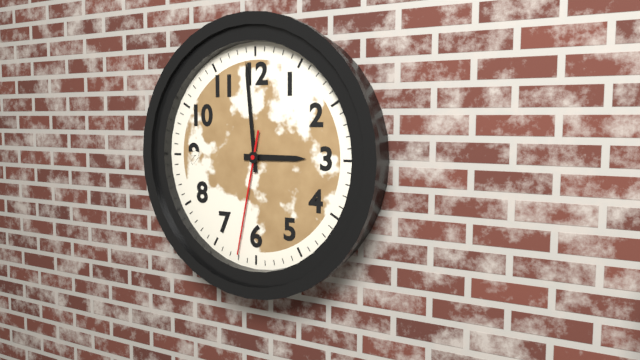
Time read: 2,59,32
